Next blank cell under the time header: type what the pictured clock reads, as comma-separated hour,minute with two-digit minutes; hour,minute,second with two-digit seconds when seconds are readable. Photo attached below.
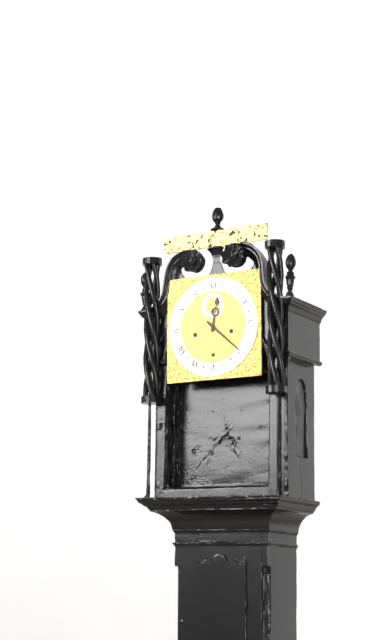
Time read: 12,22
